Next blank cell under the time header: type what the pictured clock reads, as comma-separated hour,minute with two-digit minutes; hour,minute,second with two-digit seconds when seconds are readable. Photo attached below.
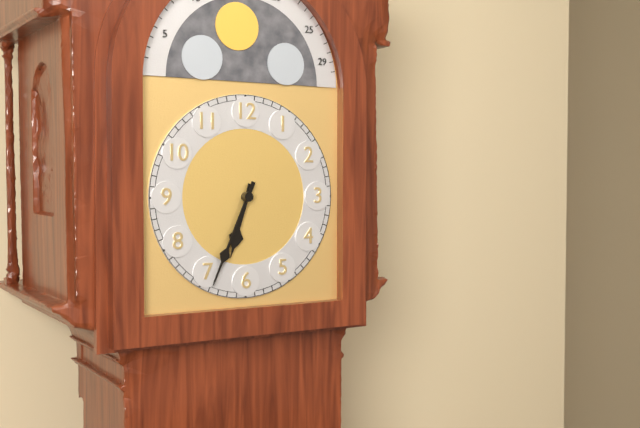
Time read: 6,34
